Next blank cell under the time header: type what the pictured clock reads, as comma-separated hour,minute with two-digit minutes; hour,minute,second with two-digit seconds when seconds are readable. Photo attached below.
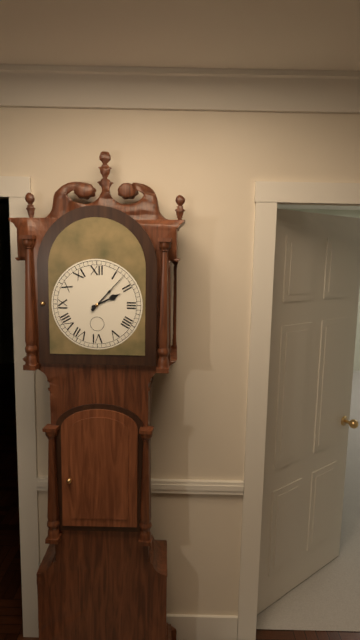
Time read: 2,07
